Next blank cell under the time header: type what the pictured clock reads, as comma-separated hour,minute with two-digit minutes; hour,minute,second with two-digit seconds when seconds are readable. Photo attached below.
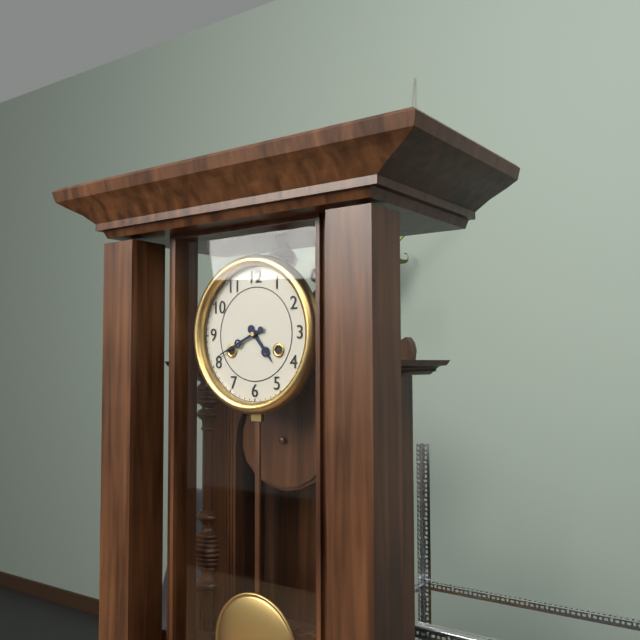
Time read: 4,41
